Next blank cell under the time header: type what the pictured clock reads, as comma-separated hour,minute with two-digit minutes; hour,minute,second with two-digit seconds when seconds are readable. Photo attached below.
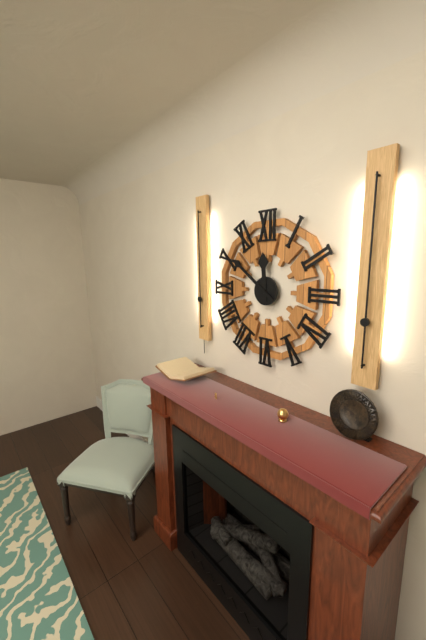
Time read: 11,51
